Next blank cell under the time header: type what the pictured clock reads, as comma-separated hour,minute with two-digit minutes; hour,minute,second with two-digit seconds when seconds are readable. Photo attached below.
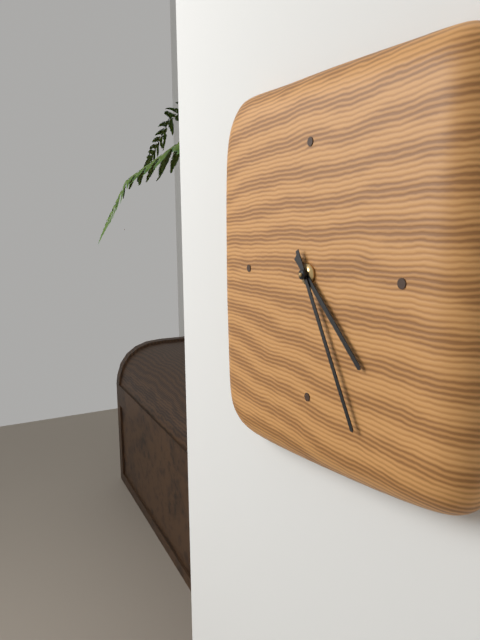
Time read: 4,25
